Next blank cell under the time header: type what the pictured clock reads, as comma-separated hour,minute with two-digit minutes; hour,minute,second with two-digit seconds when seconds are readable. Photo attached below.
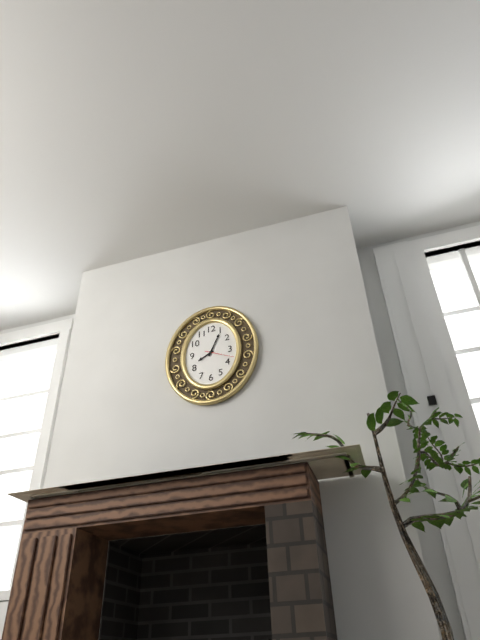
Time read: 8,04
